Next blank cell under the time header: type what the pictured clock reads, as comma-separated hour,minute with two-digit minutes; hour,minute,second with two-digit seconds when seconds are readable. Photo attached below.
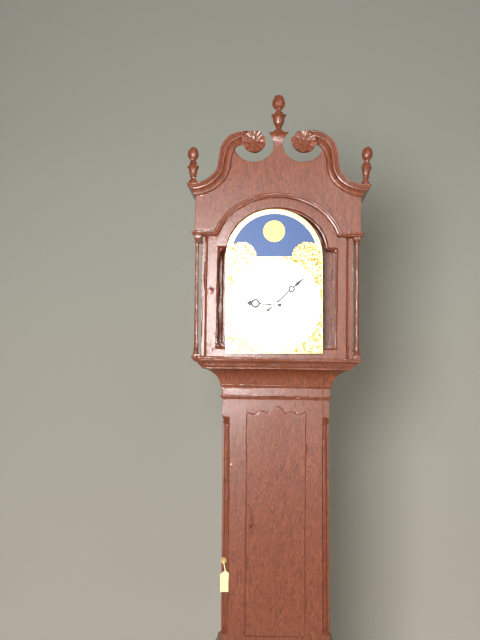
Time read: 9,08
